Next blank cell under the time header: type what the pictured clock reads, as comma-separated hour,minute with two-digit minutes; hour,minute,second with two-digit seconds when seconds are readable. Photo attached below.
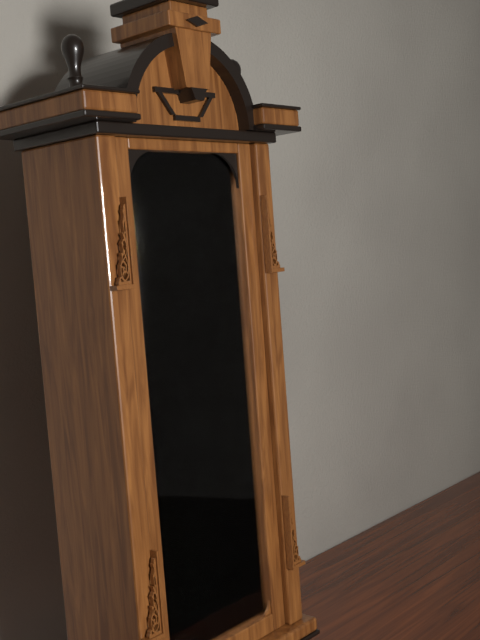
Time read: 2,02
